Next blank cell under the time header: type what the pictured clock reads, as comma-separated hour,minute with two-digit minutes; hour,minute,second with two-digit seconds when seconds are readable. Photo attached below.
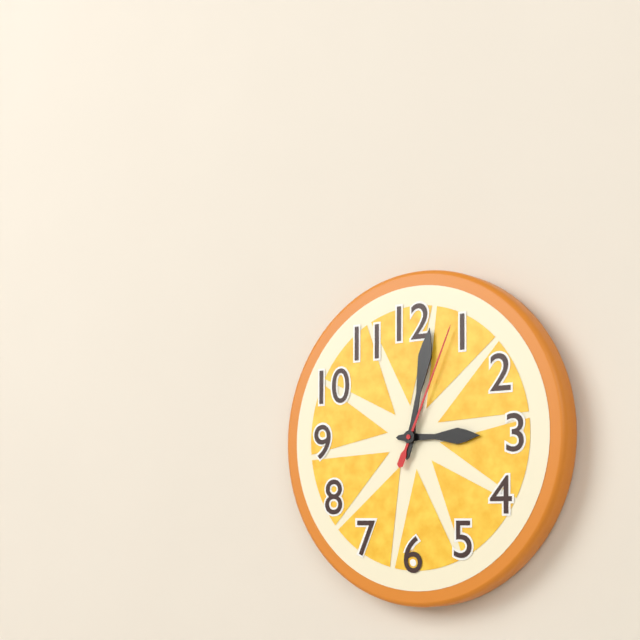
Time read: 3,02,04
